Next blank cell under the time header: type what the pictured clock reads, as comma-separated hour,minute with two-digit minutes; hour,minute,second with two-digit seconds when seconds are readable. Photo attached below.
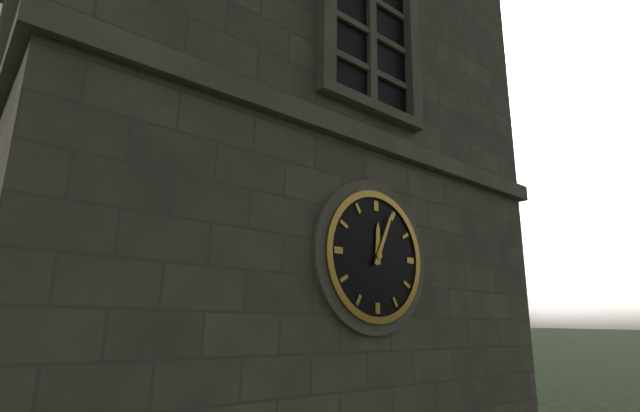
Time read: 12,04
